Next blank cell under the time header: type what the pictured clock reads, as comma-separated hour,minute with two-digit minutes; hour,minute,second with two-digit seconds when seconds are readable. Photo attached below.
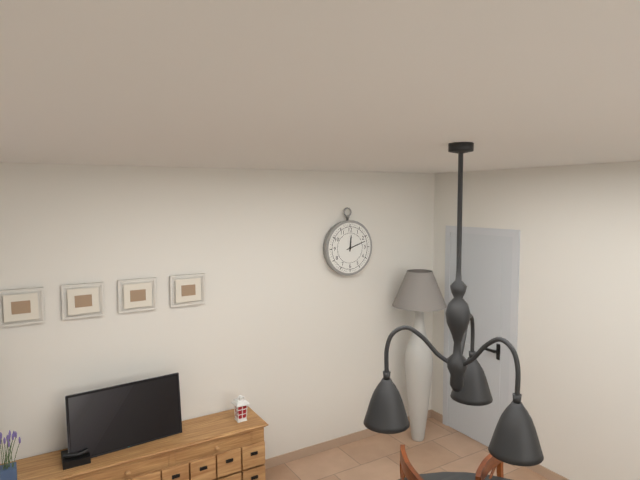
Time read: 12,12
